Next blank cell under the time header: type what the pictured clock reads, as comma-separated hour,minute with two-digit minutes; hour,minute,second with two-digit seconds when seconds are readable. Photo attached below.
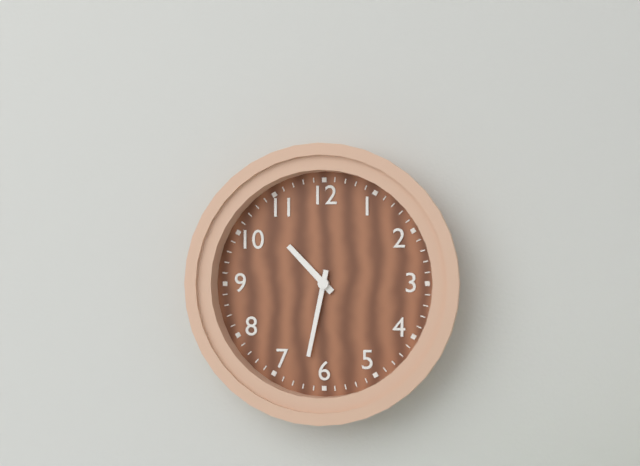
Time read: 10,32
